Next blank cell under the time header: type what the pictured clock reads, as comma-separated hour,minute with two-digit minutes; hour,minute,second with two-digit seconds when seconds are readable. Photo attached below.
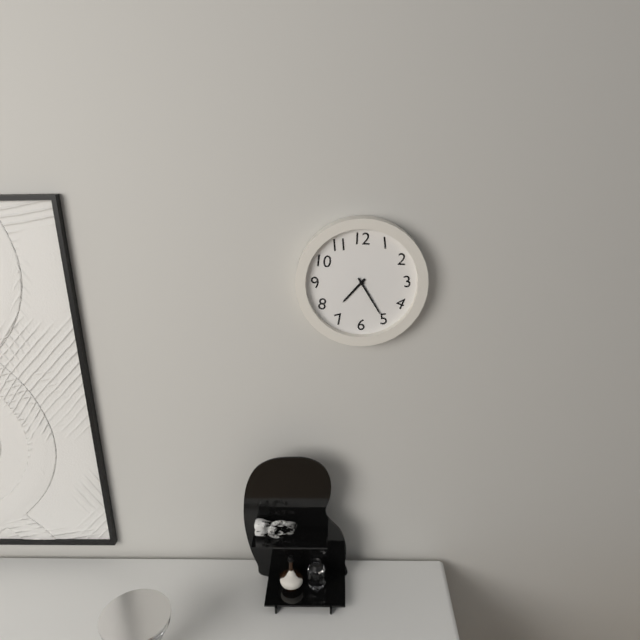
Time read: 7,25
